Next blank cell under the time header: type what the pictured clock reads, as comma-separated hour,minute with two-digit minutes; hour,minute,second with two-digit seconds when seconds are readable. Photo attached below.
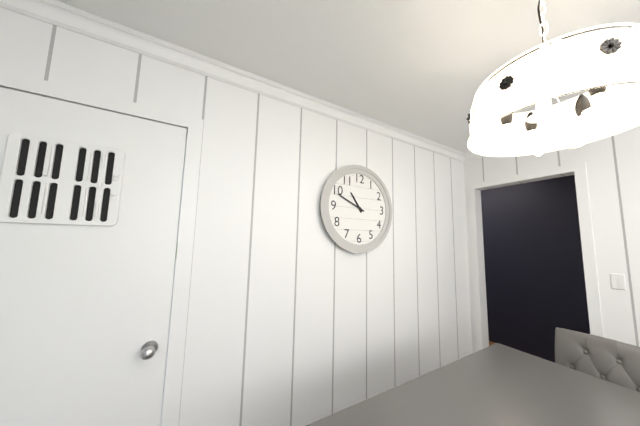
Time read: 10,49
